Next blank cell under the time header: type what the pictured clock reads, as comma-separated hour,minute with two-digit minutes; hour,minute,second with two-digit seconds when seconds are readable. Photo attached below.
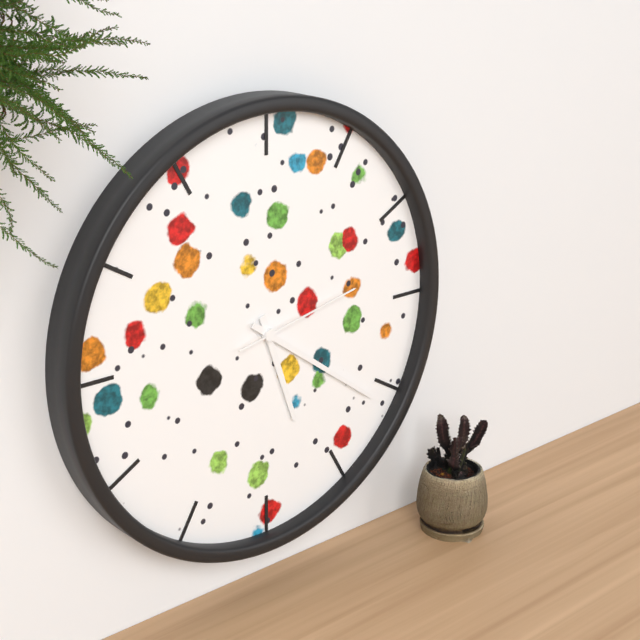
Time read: 5,21,13
